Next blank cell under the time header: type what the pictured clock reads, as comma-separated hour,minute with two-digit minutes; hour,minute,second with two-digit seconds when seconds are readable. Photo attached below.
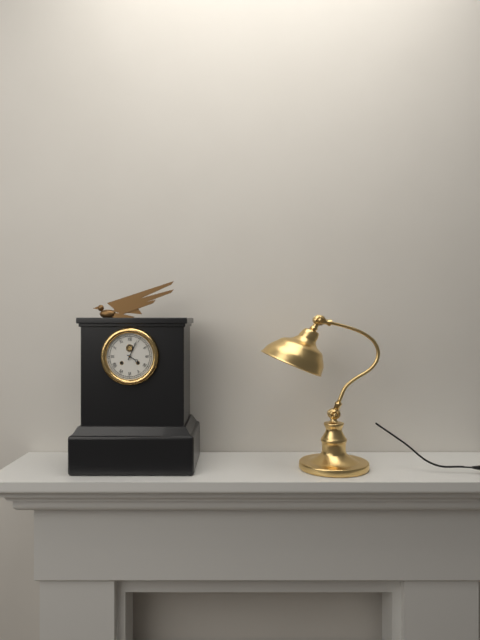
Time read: 4,04
